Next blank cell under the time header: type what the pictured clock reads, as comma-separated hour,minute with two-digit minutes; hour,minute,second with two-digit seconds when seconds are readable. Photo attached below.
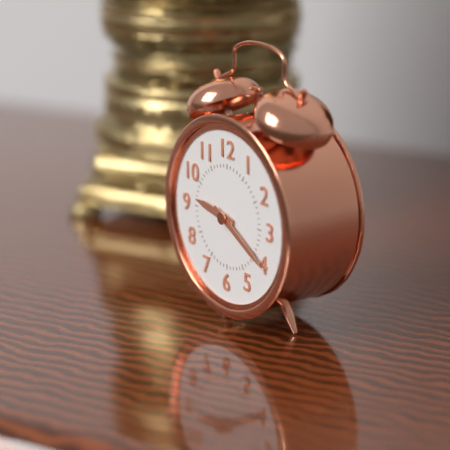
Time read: 9,20
